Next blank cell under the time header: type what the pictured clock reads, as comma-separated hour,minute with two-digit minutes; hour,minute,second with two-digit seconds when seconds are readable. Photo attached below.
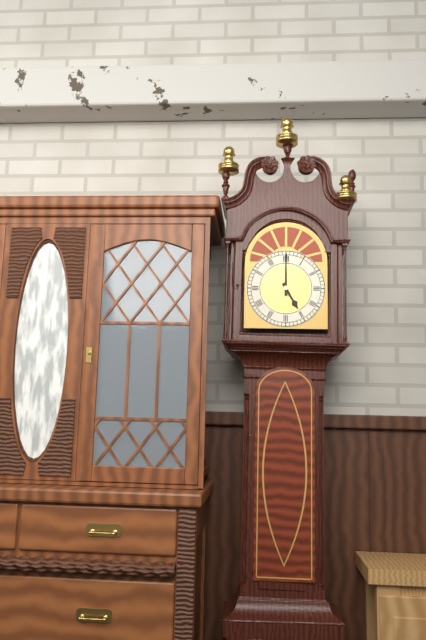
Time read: 5,00
